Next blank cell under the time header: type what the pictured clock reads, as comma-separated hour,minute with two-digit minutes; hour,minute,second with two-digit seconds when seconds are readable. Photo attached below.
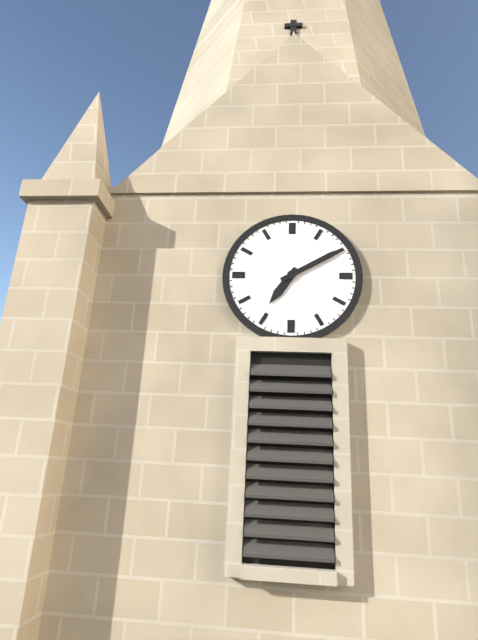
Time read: 7,10
